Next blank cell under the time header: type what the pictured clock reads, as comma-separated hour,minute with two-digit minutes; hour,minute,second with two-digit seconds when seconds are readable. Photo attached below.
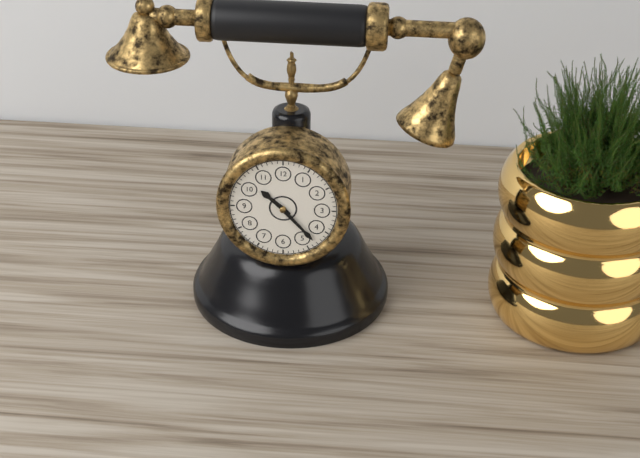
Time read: 10,23
